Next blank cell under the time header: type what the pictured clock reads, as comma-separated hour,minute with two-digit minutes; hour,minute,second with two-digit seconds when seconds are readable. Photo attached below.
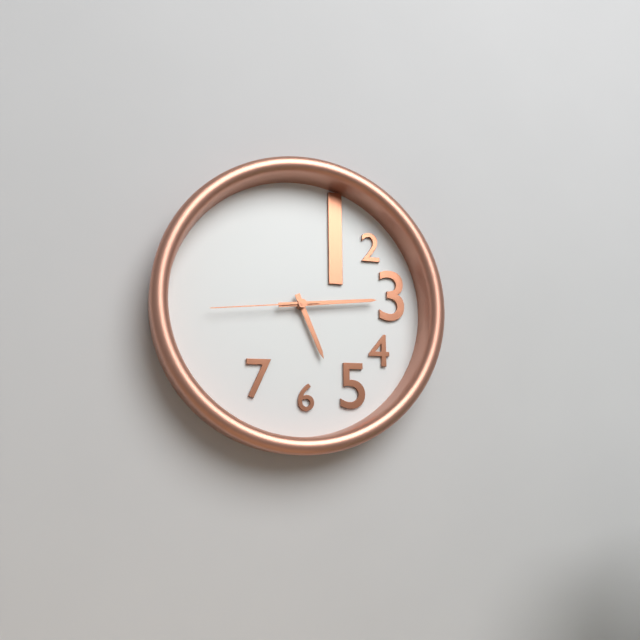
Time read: 5,14,44
